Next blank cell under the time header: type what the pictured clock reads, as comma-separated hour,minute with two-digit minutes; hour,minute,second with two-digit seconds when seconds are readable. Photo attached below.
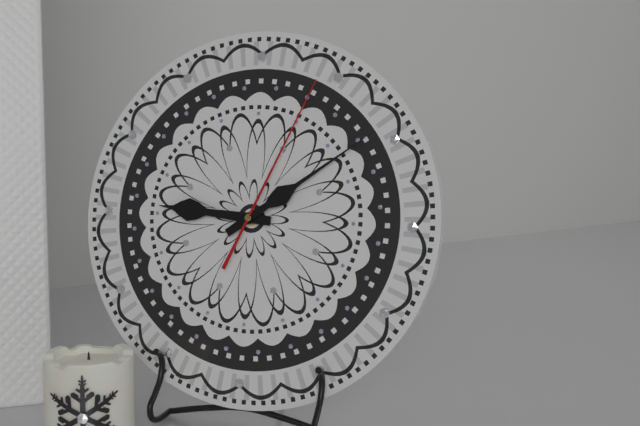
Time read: 9,09,04
